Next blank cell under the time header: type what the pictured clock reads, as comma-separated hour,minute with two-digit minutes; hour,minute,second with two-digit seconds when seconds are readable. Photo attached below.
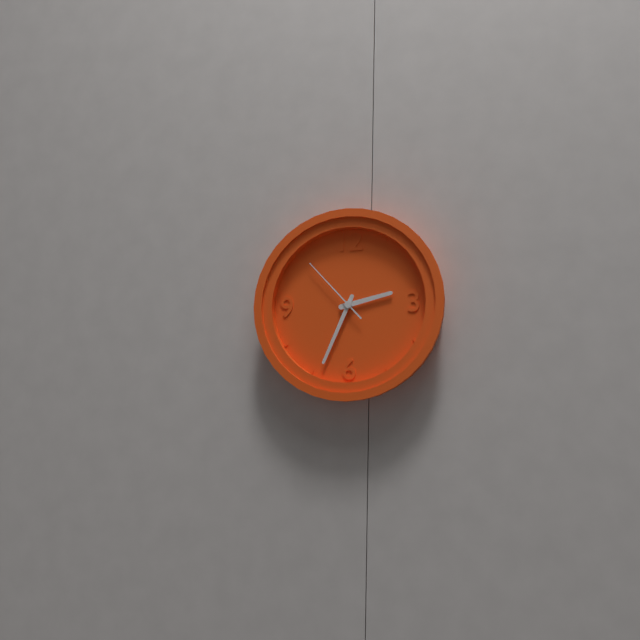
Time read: 2,34,53
